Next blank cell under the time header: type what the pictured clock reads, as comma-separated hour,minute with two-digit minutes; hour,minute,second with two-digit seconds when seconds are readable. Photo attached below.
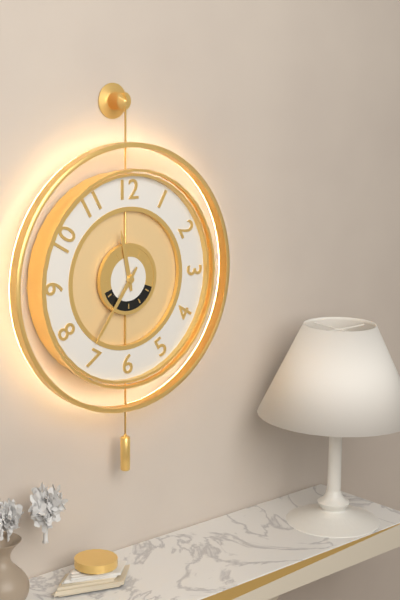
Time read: 11,36
